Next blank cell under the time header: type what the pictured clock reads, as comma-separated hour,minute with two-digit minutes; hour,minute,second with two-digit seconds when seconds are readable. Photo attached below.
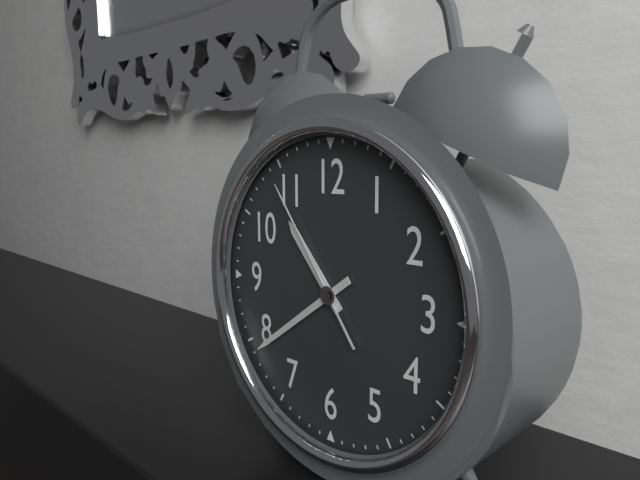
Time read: 10,39,54
